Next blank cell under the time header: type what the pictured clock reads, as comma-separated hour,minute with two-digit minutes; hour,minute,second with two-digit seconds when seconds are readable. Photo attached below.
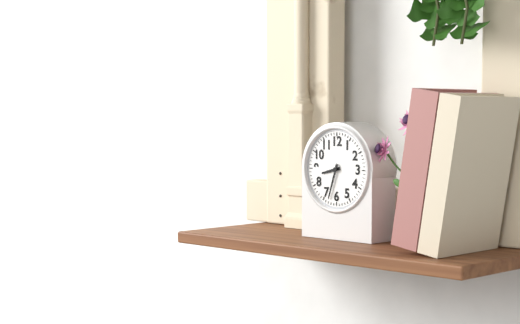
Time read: 8,33
